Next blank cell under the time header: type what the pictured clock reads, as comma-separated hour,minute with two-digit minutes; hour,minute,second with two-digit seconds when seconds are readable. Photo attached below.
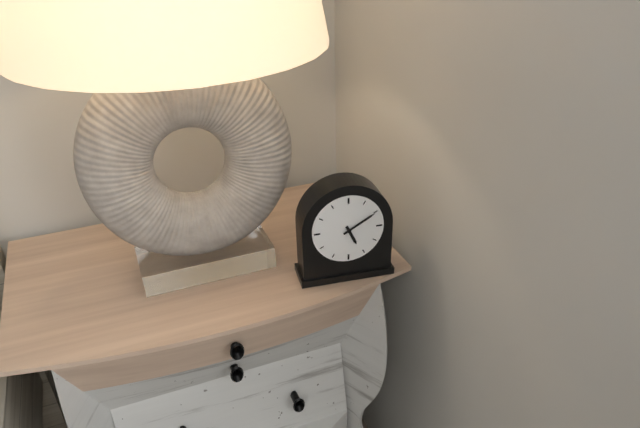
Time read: 5,10
